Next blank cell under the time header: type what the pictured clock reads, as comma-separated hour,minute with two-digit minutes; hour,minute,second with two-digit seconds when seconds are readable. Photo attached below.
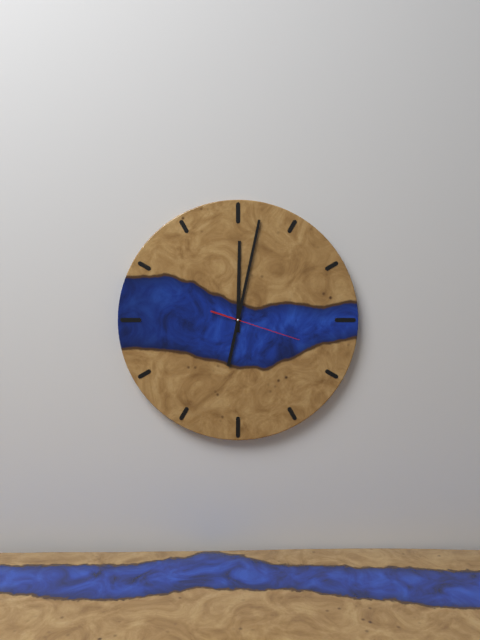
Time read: 12,02,18
